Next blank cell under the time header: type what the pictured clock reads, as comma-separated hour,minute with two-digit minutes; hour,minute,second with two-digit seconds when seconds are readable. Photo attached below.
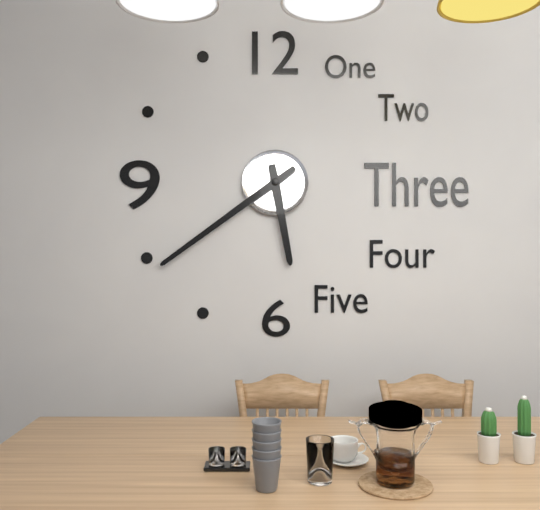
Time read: 5,39
